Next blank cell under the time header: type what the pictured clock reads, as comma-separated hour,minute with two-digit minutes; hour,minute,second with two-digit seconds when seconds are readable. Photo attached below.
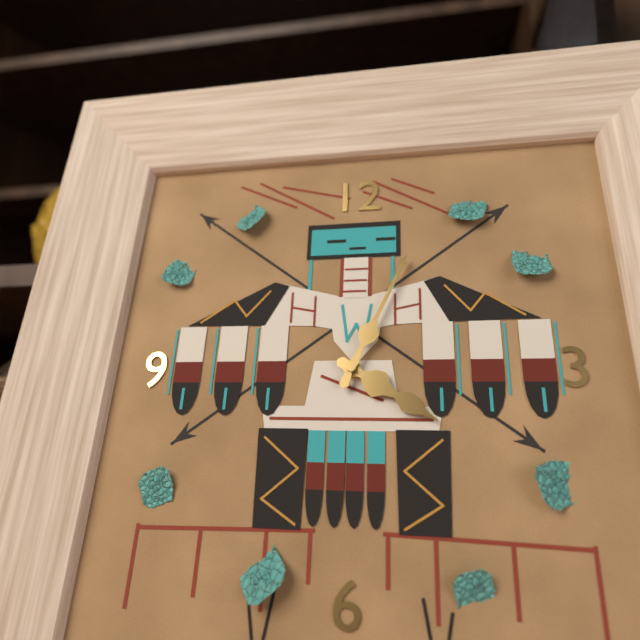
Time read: 4,04
